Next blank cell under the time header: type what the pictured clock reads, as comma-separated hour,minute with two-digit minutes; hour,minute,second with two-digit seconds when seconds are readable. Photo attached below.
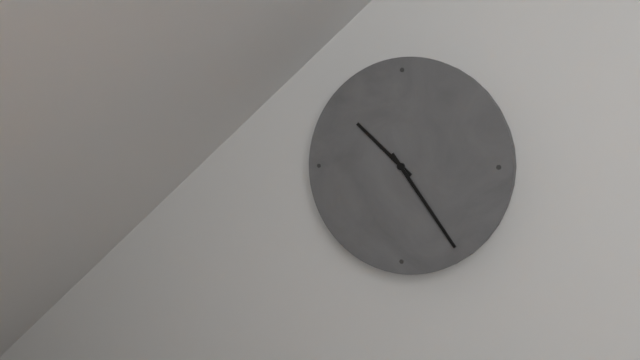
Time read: 10,24
